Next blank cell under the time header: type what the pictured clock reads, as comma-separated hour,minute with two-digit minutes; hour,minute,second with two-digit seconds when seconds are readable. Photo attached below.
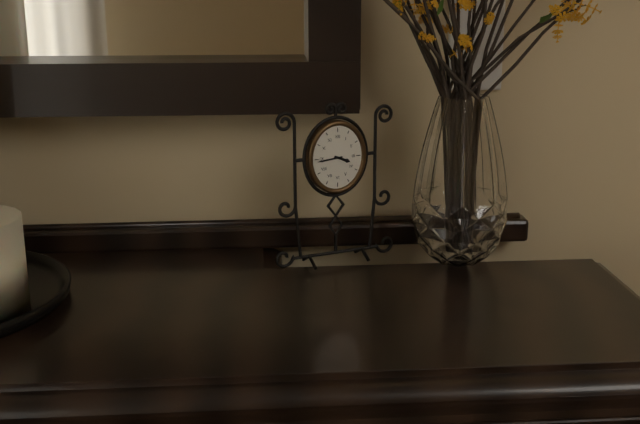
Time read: 3,44
